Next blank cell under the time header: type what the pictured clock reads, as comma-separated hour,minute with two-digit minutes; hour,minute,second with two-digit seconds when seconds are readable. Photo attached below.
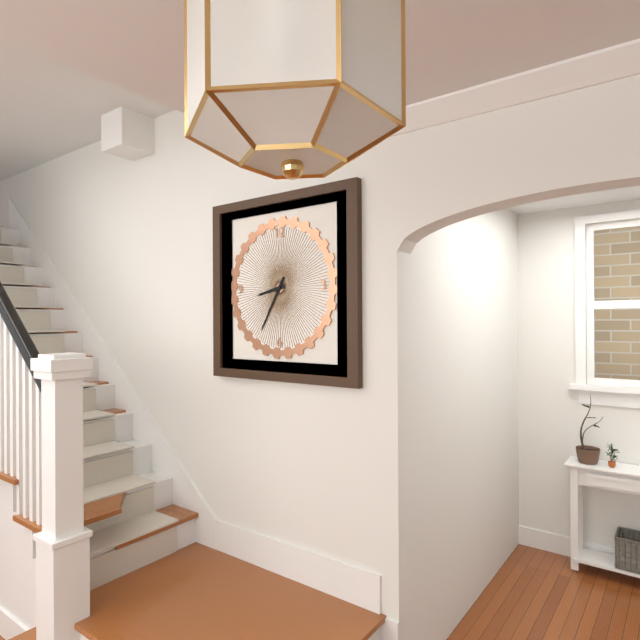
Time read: 8,35
